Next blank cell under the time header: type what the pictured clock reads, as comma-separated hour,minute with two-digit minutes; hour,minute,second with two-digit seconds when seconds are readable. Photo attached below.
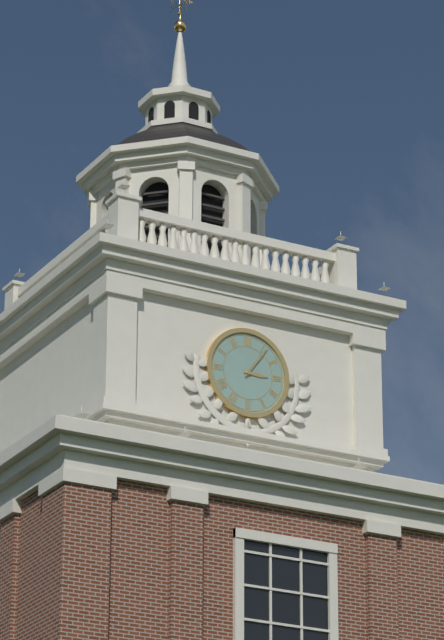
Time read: 3,06
